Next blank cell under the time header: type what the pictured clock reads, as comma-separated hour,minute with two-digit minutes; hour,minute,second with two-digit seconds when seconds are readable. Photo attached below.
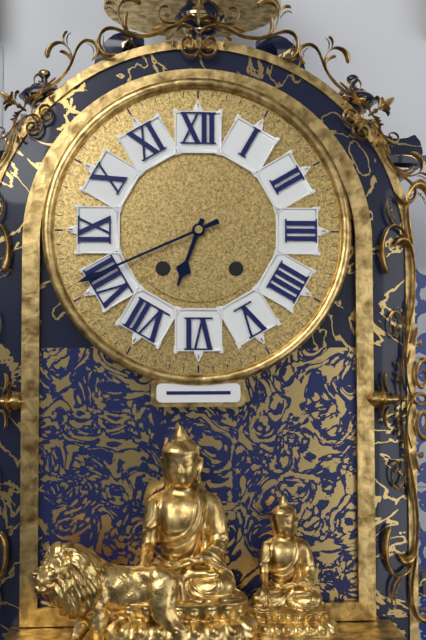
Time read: 6,41
